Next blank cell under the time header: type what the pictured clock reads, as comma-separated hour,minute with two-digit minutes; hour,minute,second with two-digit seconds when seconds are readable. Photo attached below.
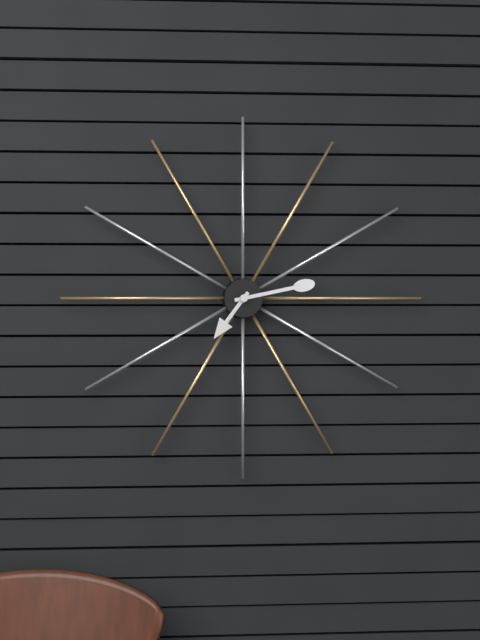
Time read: 7,13
